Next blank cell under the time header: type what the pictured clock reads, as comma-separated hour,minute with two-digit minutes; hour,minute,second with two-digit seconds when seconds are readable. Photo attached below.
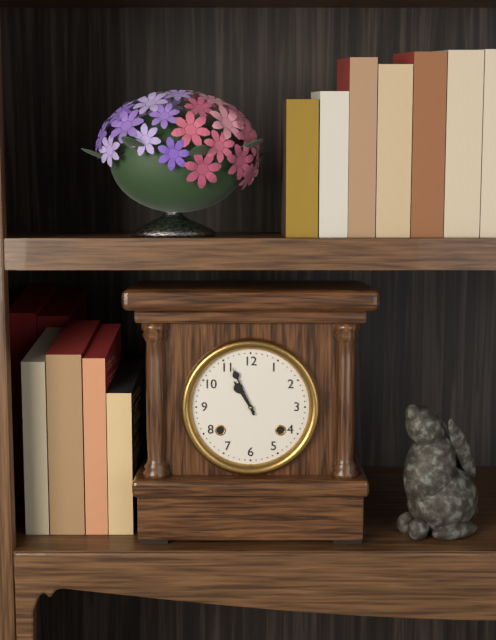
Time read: 10,56
